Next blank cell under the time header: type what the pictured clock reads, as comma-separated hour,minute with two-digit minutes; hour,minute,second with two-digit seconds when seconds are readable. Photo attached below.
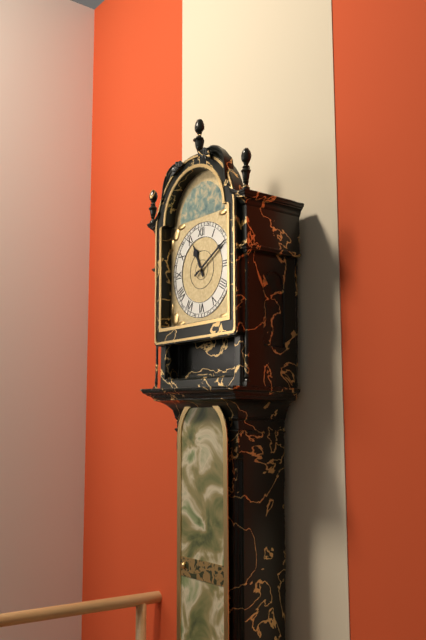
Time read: 11,10
